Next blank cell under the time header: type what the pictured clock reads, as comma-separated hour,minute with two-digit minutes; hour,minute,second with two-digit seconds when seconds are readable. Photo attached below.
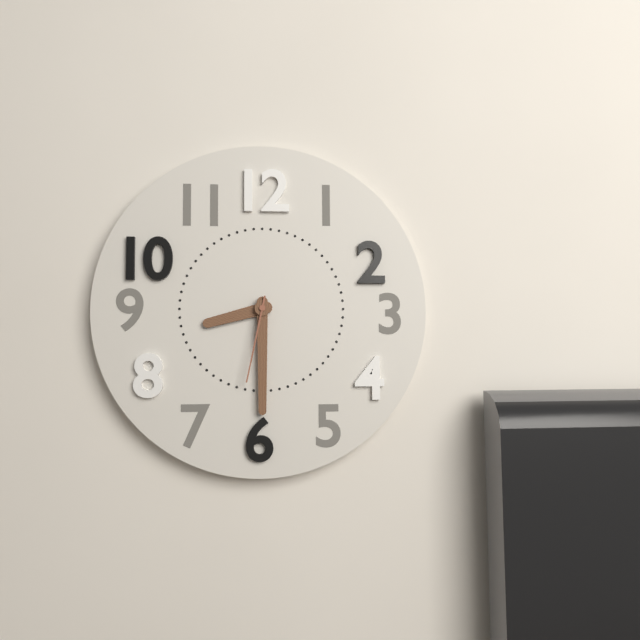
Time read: 8,30,32
